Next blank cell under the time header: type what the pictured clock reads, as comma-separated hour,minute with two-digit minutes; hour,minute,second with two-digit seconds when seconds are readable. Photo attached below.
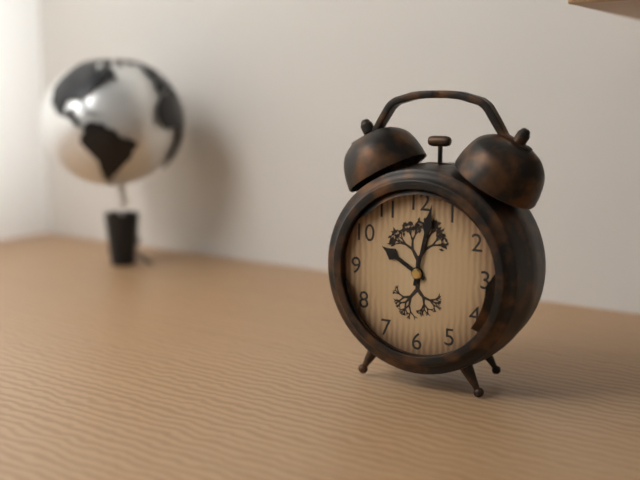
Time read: 10,02
